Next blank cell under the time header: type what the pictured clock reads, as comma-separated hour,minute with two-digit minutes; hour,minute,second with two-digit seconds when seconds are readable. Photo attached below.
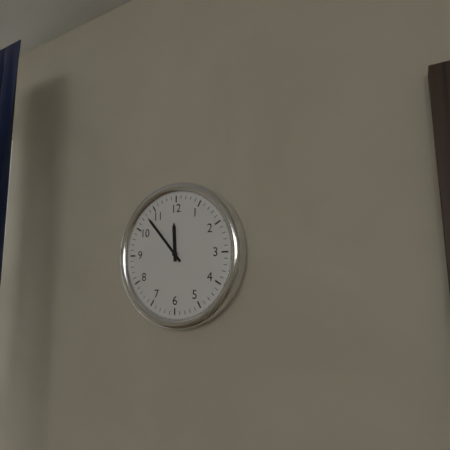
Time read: 11,53
